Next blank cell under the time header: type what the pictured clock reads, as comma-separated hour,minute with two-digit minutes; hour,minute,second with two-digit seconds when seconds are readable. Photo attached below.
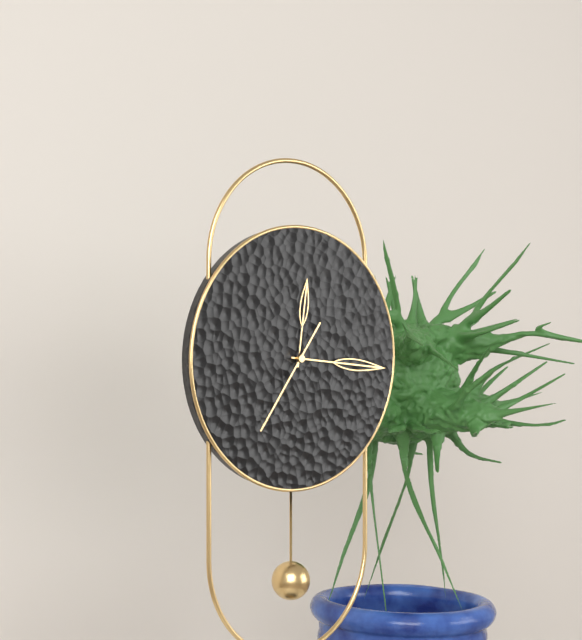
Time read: 12,16,36
